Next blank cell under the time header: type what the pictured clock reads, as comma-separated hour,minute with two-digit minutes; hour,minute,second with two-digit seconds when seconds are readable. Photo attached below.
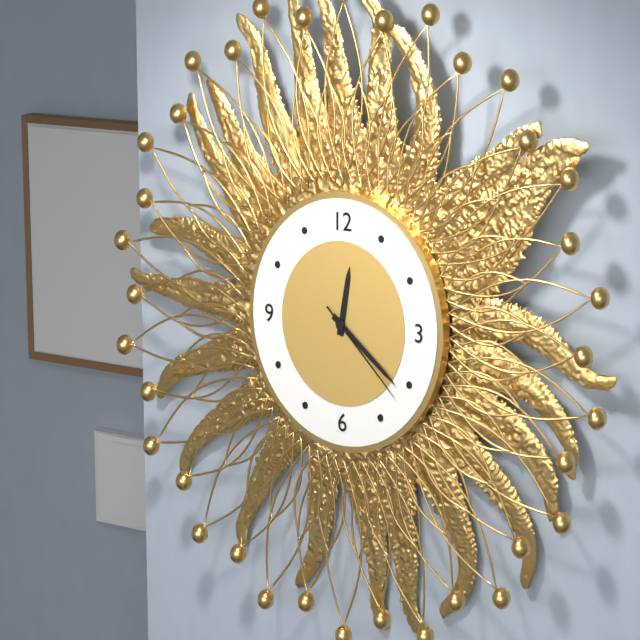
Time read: 12,21,22
